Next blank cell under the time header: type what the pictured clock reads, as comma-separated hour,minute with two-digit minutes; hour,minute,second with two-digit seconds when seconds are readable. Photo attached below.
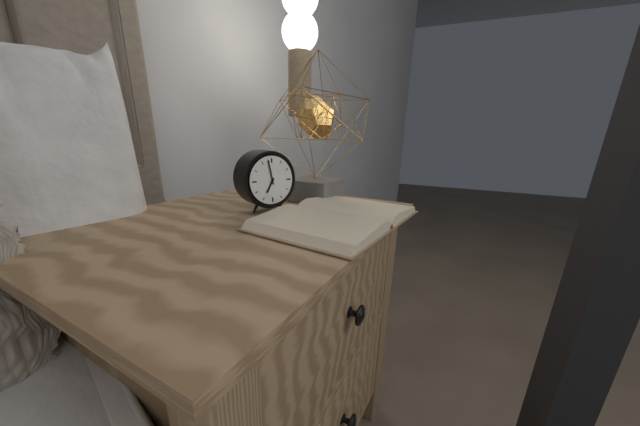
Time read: 6,58
